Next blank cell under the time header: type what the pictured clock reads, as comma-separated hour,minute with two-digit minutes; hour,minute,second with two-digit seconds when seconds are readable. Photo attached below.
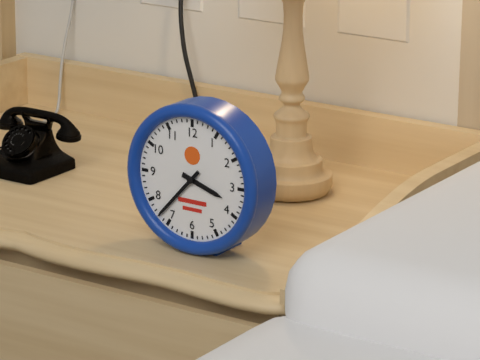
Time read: 3,37
